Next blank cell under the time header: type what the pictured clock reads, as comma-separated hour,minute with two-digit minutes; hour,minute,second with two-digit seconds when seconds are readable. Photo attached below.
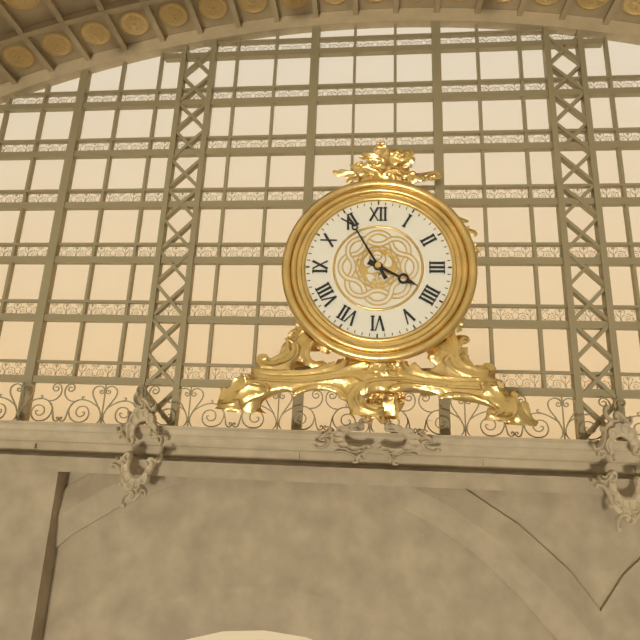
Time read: 3,55
